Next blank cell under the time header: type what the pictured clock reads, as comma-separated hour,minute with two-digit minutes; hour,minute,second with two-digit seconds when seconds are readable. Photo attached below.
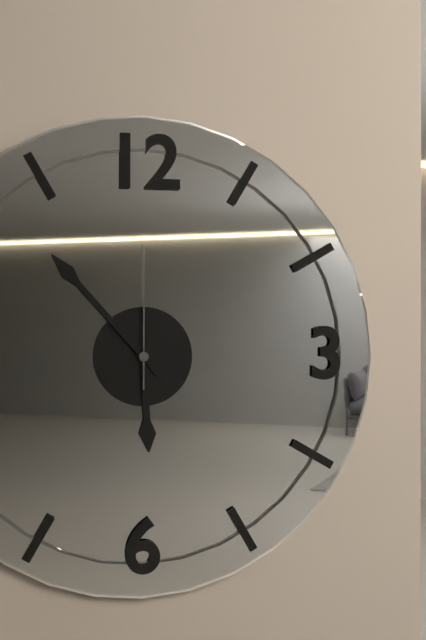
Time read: 5,53,00
